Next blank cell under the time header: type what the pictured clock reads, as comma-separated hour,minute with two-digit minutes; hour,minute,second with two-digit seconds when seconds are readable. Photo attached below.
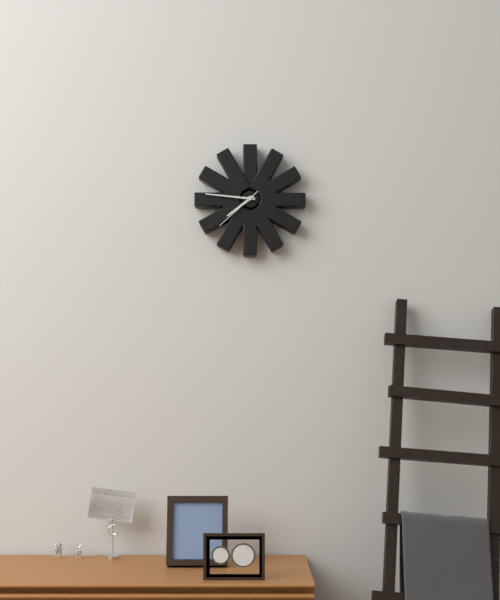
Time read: 7,46,38
